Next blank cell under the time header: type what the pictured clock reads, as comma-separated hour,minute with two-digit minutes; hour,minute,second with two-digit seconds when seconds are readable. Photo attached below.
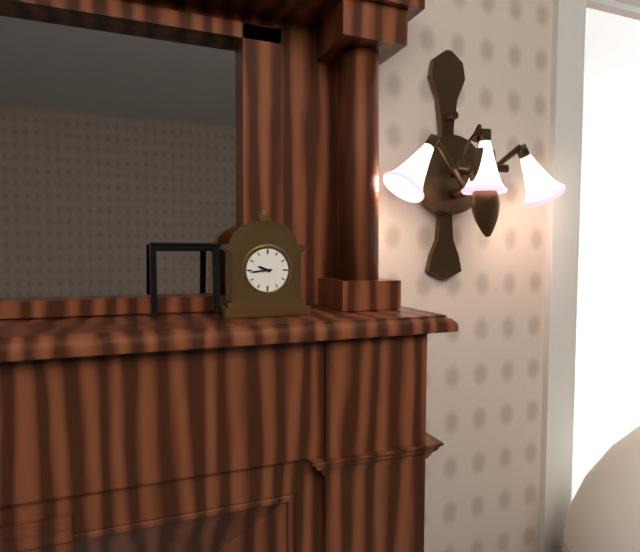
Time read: 9,44
